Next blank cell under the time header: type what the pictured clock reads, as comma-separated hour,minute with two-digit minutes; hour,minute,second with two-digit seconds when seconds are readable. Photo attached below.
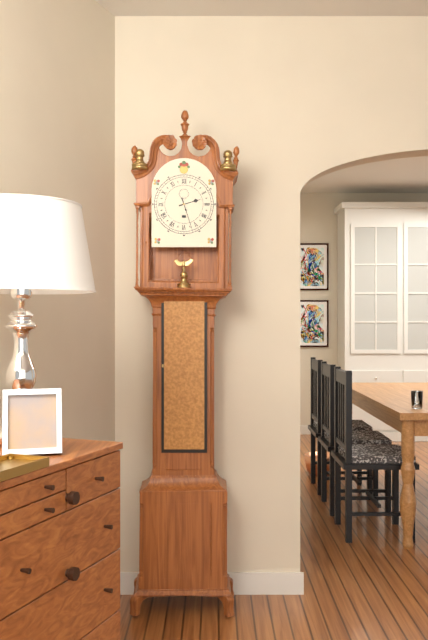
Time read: 2,27
